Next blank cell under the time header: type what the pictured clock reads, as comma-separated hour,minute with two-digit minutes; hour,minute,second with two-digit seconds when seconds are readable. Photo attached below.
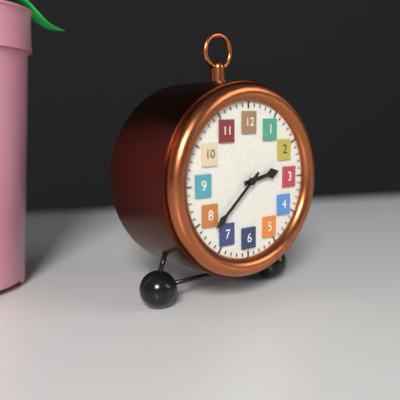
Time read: 2,38
